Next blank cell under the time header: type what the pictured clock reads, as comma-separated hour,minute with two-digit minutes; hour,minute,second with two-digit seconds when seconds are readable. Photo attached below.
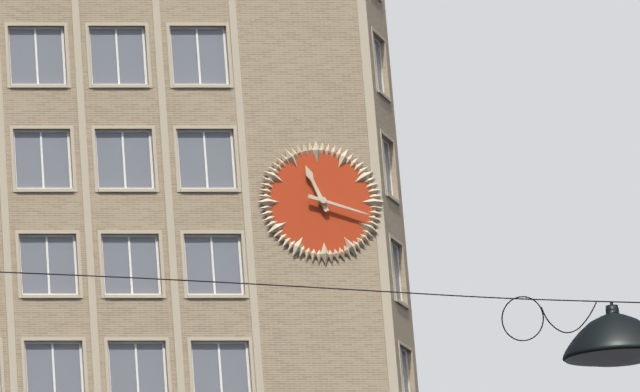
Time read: 11,18
